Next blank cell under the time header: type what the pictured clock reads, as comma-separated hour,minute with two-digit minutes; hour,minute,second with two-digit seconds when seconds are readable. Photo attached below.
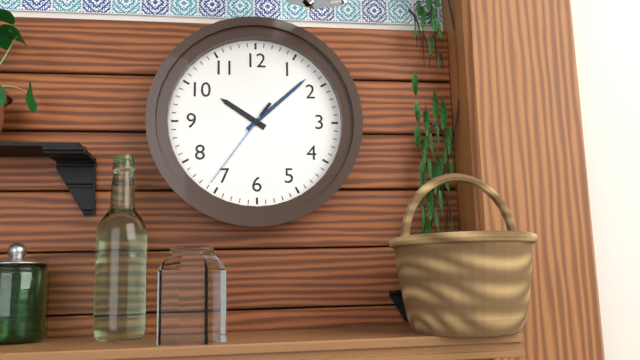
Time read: 10,08,36
